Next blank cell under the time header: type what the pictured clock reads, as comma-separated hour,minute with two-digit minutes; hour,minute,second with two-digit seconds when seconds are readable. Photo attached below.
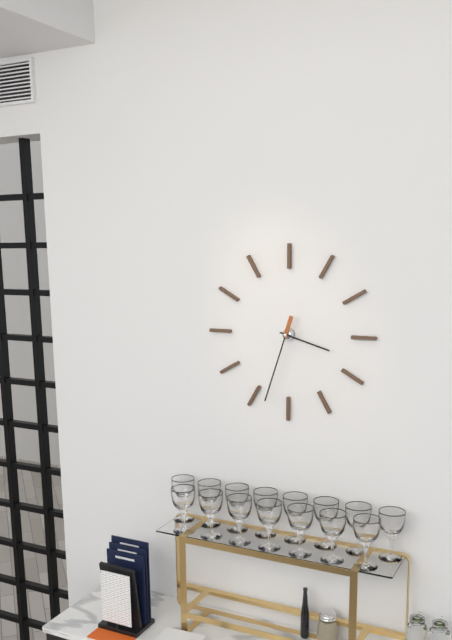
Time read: 3,33
